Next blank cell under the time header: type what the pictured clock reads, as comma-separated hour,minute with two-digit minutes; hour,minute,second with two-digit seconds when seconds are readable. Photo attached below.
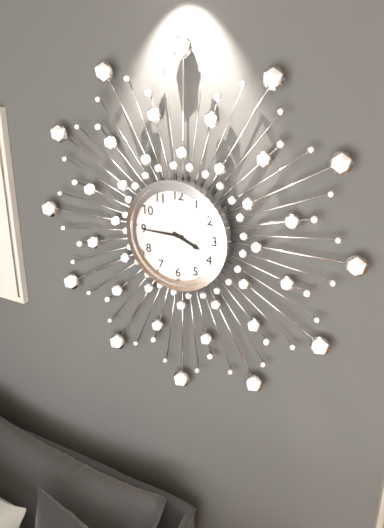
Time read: 3,45
